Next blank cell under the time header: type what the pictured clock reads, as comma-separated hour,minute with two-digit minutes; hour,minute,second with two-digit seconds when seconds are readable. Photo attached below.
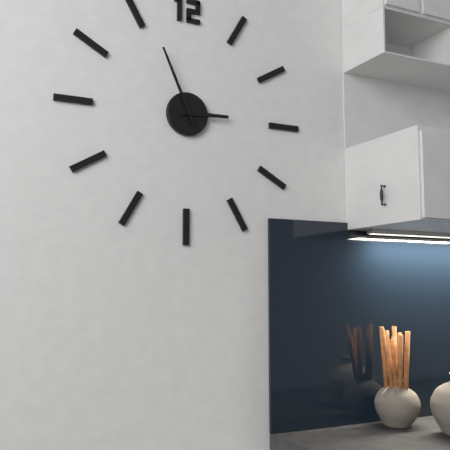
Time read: 2,56
